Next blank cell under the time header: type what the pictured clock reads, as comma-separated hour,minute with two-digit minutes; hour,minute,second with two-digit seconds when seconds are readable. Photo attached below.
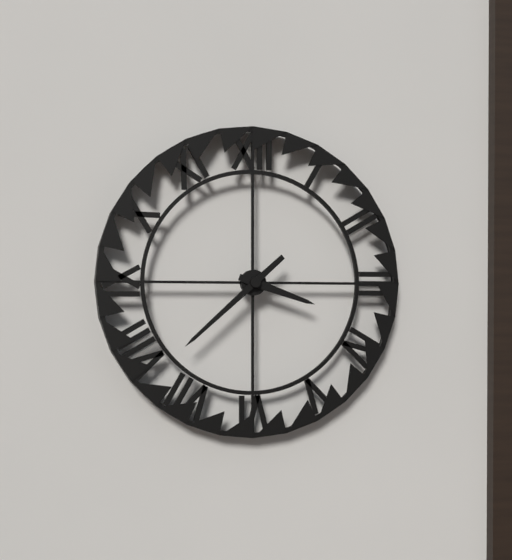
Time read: 3,38
